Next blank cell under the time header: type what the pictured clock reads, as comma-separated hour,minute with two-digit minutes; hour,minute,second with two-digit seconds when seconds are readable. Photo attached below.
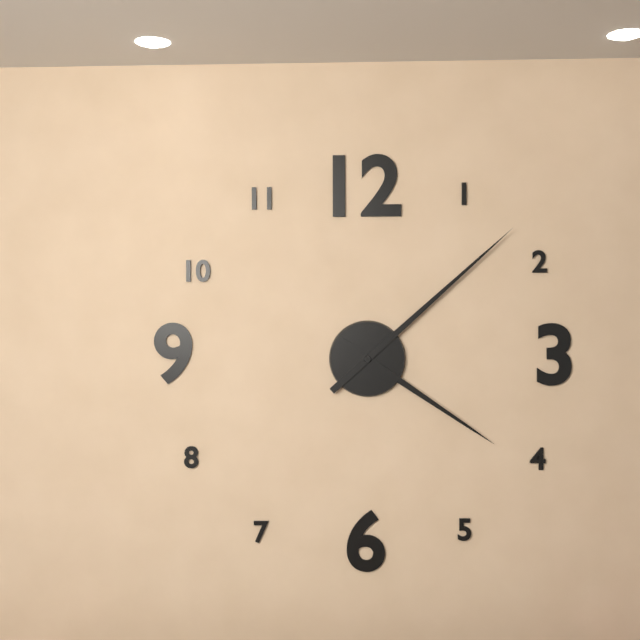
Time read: 4,08
